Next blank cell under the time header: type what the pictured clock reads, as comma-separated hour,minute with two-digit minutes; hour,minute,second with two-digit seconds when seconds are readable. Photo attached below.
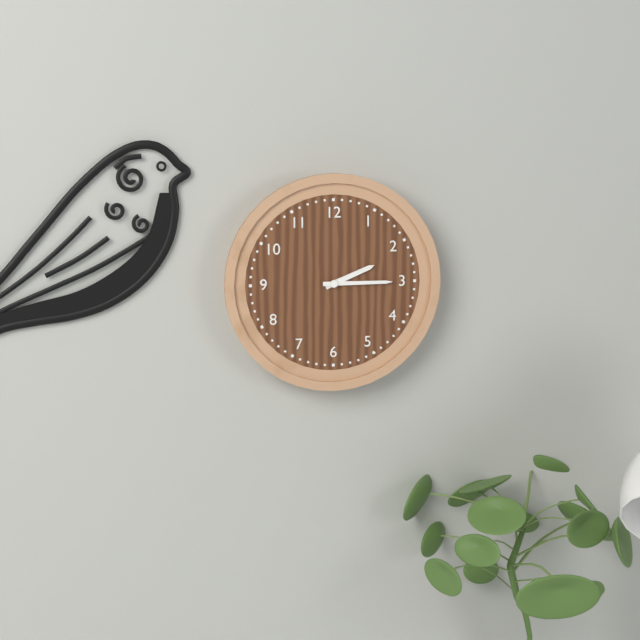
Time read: 2,15
